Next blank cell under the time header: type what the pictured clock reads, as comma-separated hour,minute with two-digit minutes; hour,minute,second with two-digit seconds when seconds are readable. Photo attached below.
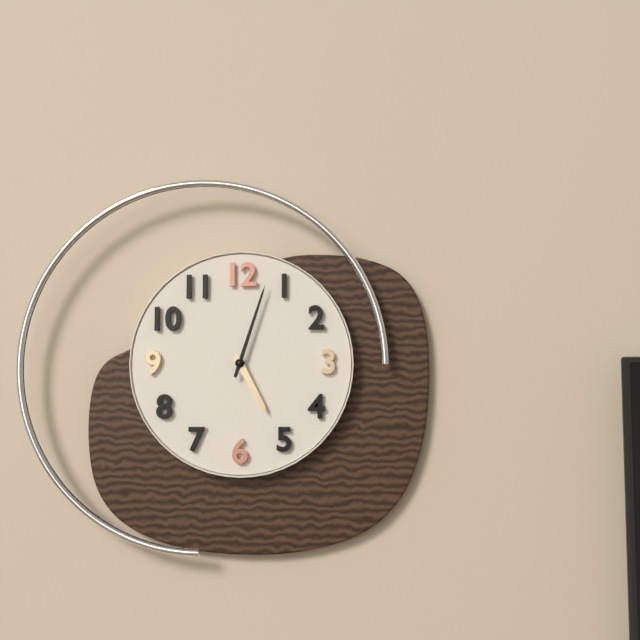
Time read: 5,03
